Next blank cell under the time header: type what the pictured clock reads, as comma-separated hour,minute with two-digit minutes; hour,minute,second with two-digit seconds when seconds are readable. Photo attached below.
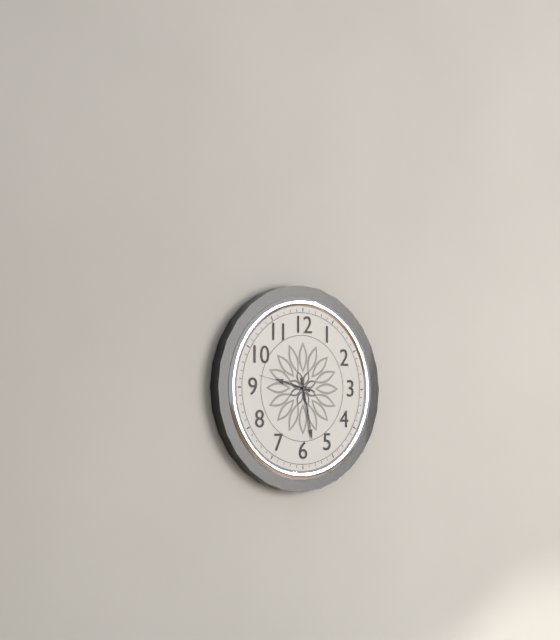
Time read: 9,28,47
